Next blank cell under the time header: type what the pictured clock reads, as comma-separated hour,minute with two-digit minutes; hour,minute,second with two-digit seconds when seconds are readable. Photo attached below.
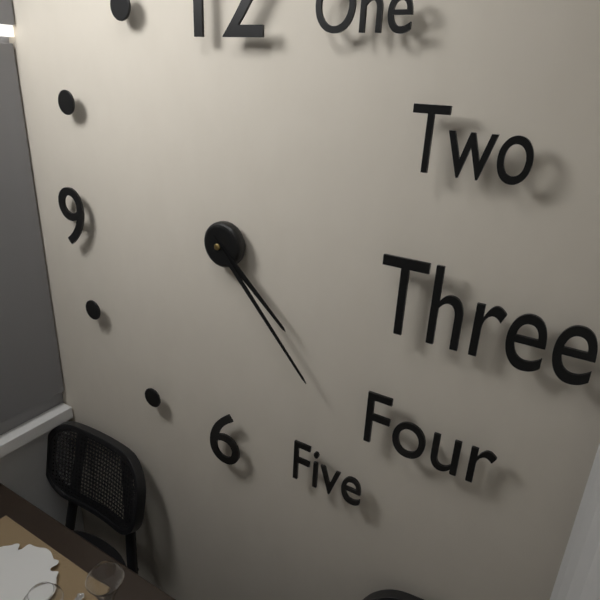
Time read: 4,23
